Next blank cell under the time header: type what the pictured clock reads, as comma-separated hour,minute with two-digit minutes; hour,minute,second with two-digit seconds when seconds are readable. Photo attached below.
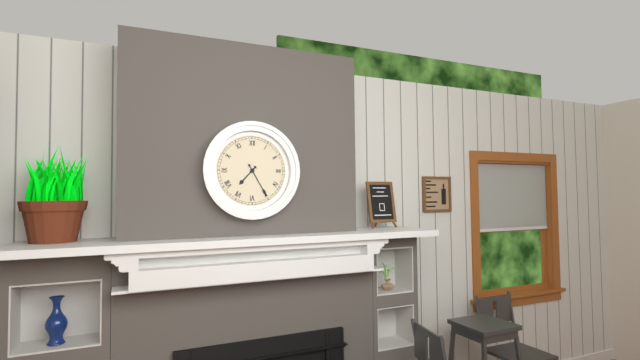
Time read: 7,25
